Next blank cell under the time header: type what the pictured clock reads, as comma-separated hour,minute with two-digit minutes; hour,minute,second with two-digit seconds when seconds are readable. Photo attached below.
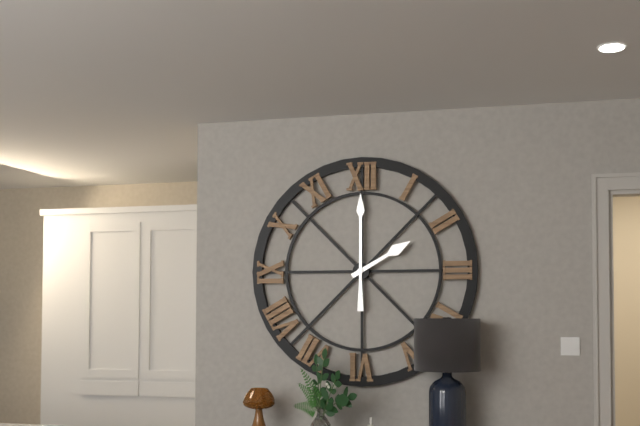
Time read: 2,00
